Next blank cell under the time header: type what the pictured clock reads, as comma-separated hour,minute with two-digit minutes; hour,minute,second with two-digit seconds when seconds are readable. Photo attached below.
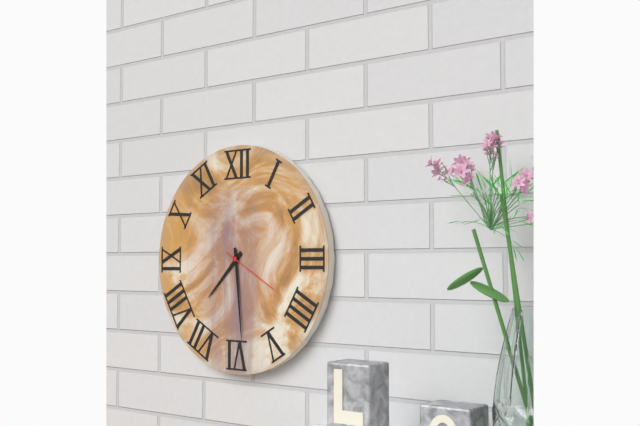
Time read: 7,29,20
